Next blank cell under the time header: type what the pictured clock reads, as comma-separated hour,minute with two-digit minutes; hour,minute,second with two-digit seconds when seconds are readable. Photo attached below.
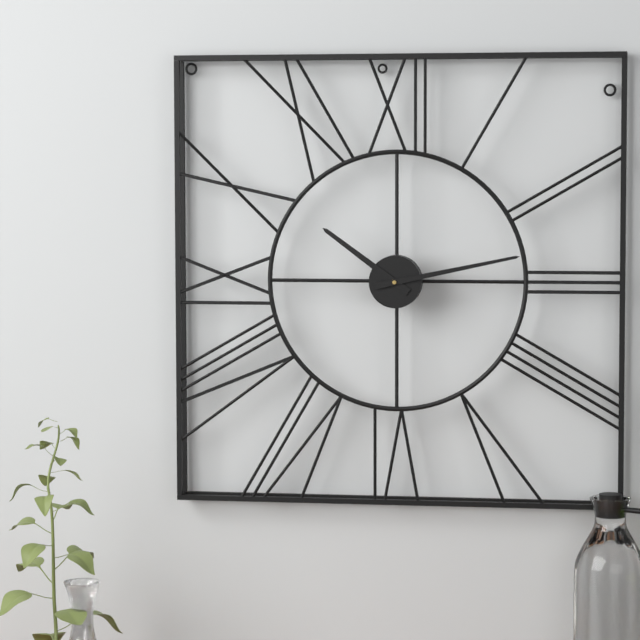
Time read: 10,13
